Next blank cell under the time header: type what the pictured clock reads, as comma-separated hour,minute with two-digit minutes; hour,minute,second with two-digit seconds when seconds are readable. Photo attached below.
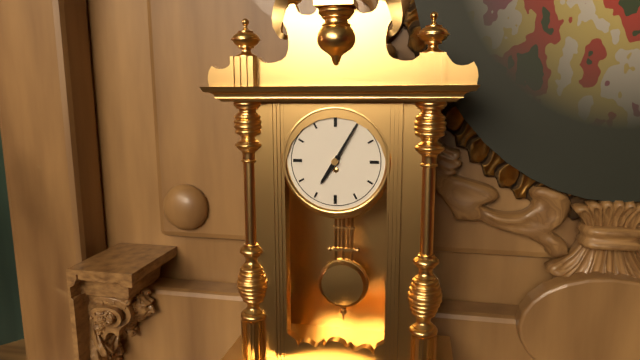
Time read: 7,05
